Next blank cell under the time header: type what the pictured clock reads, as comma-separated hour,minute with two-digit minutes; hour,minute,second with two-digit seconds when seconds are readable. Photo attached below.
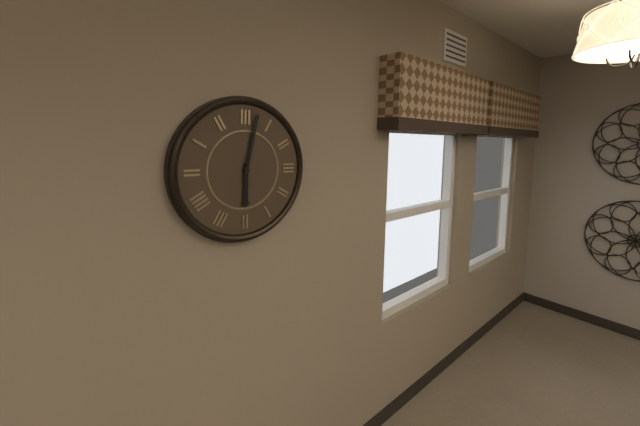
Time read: 6,02
